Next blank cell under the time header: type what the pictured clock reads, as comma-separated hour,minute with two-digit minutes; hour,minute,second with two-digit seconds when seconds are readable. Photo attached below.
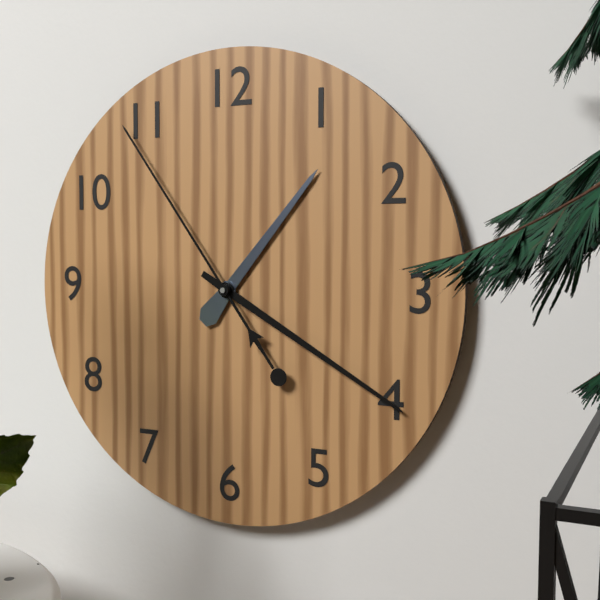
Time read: 1,20,54
